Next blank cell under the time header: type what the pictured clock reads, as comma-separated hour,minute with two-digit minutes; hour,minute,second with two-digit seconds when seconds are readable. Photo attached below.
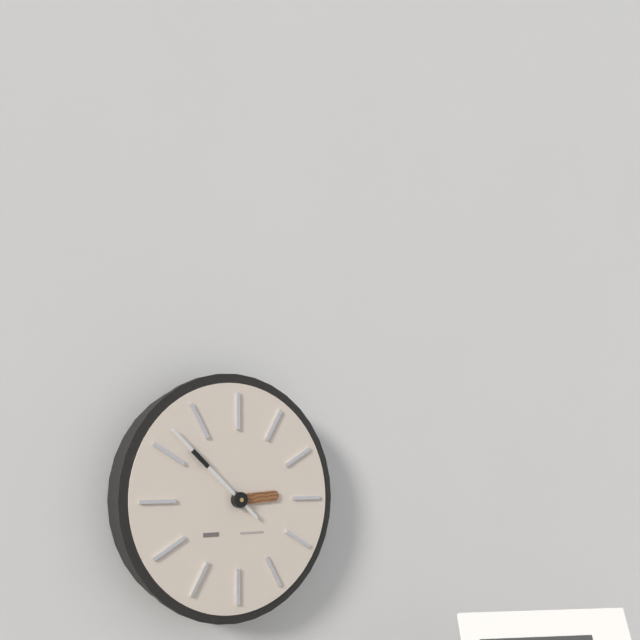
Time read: 2,52
